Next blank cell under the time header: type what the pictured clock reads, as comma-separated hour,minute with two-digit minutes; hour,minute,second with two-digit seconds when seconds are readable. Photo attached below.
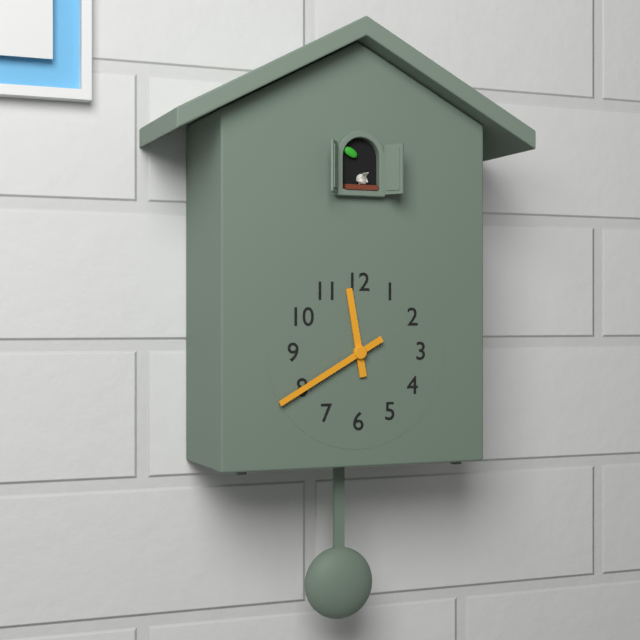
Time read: 11,40
